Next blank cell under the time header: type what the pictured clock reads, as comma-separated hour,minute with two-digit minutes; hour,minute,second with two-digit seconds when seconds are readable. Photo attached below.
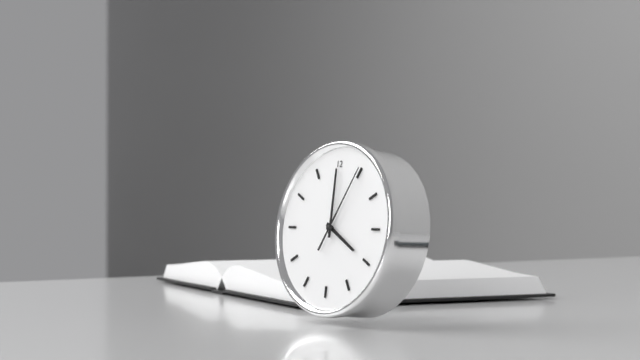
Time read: 4,00,05
